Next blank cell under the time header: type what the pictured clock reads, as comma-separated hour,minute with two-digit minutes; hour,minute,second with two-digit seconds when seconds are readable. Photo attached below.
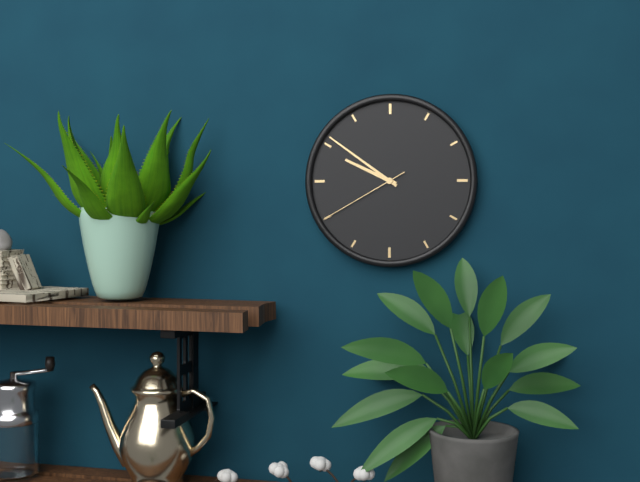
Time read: 9,51,40
